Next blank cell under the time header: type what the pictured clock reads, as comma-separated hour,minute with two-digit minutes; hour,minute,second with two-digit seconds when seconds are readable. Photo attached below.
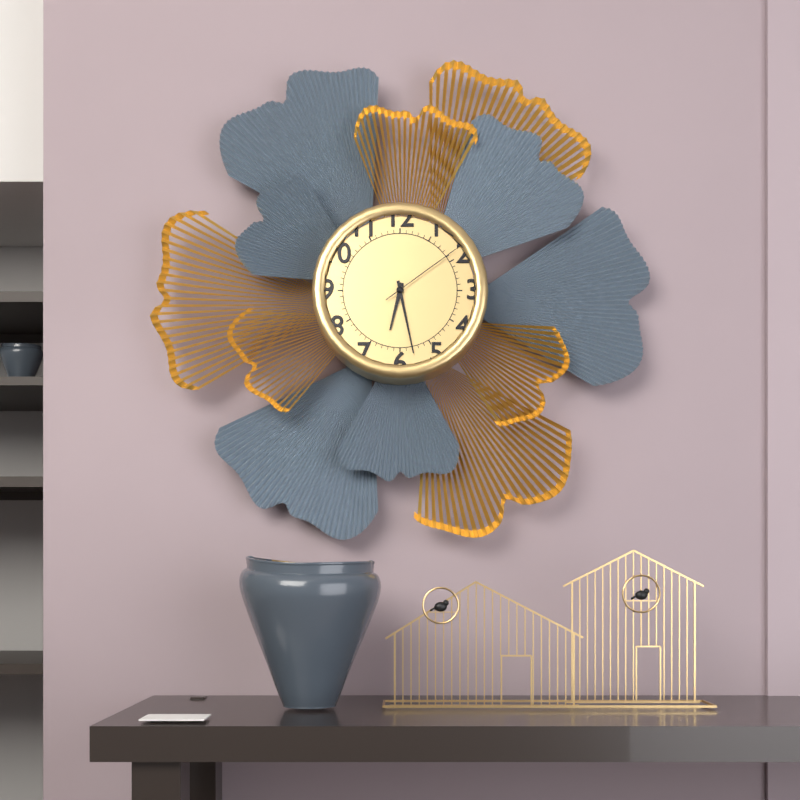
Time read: 6,28,09
